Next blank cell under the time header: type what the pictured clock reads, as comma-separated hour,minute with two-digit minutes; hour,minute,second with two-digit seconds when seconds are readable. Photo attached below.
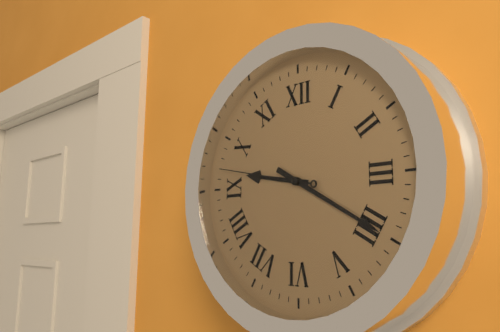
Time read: 9,20,47
